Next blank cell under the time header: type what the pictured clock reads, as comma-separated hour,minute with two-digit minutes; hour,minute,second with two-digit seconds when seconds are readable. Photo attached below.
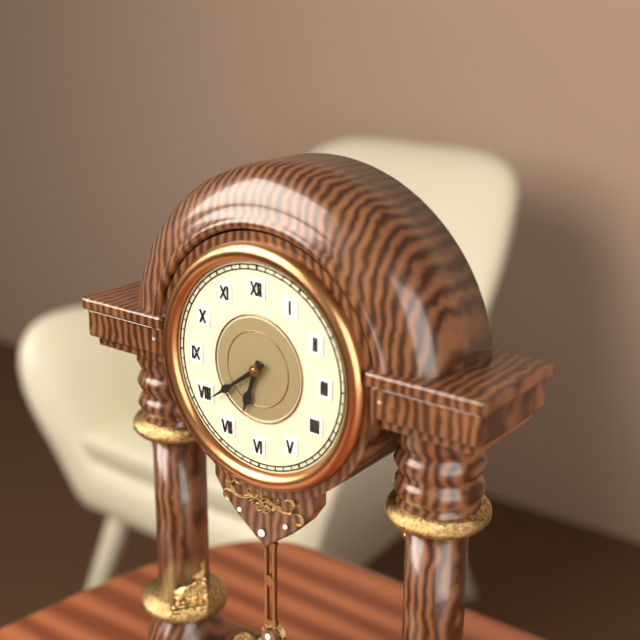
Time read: 6,39
